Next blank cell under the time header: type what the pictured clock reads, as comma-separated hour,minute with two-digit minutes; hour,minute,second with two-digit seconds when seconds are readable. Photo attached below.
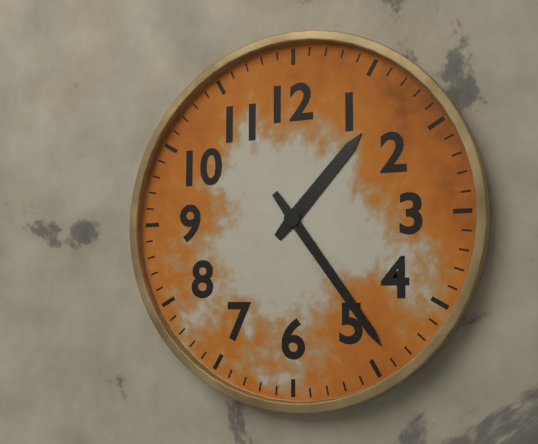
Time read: 1,24
